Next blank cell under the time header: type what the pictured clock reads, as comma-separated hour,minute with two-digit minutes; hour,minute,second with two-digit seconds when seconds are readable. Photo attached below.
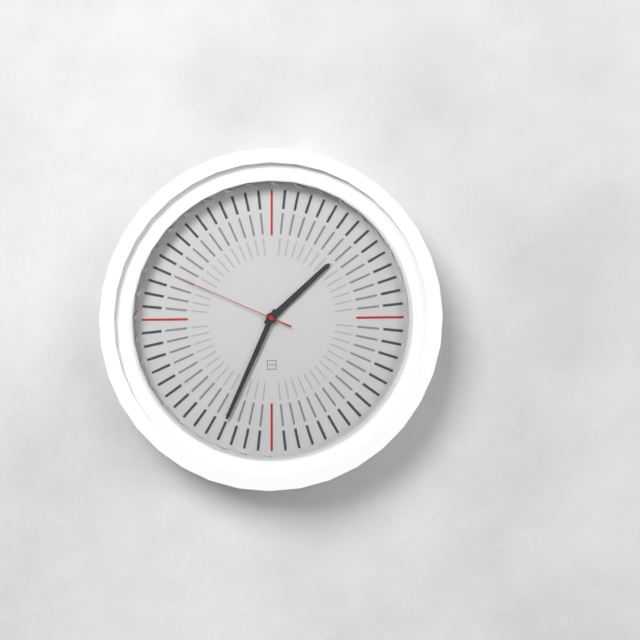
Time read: 1,34,49
